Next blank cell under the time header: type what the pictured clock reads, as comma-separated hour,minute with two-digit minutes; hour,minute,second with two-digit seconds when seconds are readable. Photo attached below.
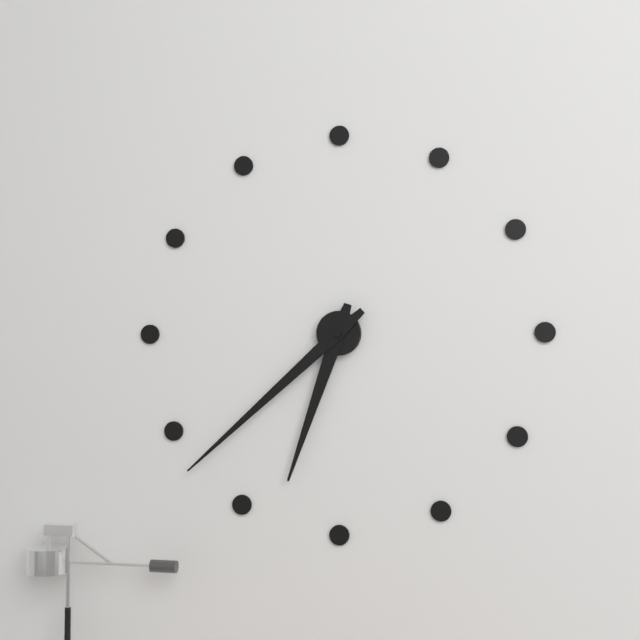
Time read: 6,38
